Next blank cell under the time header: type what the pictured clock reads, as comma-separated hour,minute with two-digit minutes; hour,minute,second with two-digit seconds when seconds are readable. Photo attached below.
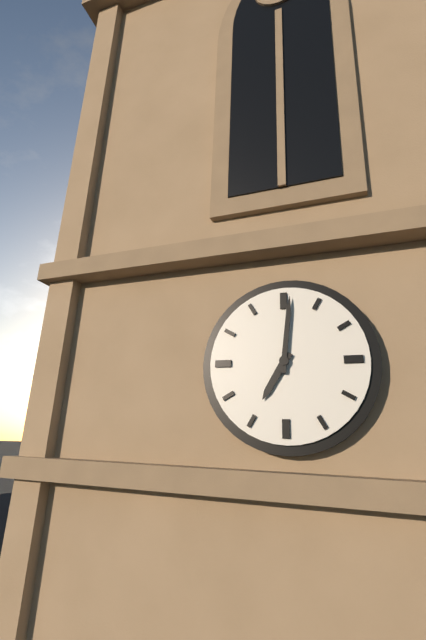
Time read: 7,01
